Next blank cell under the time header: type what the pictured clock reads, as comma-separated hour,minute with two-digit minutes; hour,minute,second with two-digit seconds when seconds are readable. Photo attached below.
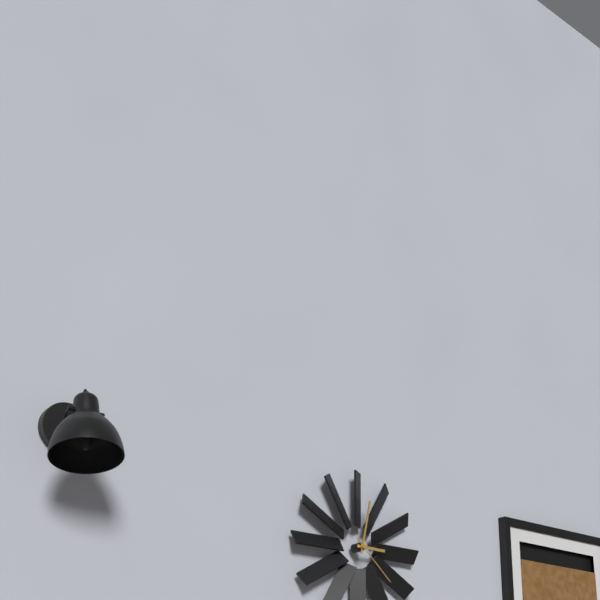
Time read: 3,02,22
